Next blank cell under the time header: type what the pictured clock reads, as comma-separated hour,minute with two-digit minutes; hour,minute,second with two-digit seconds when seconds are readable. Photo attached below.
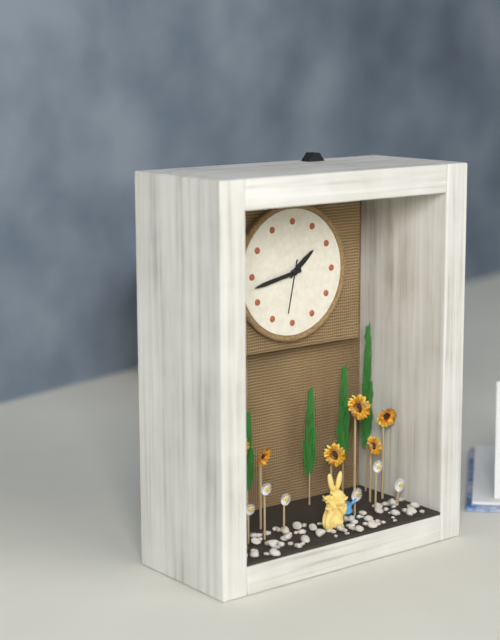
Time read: 1,43,32
